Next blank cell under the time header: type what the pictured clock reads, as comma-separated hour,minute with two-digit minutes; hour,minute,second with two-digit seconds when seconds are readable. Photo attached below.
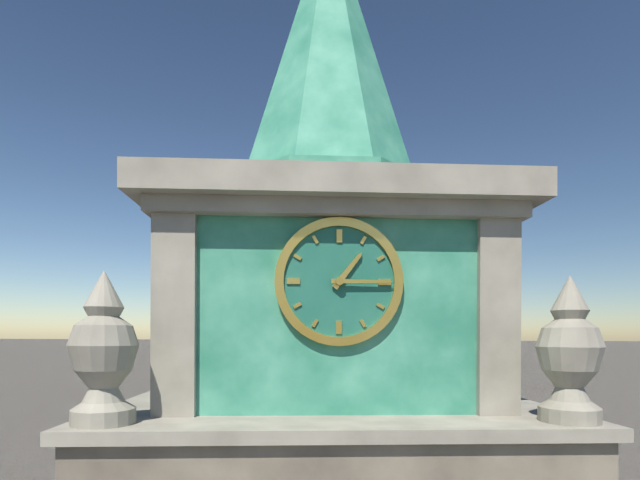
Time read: 1,15
